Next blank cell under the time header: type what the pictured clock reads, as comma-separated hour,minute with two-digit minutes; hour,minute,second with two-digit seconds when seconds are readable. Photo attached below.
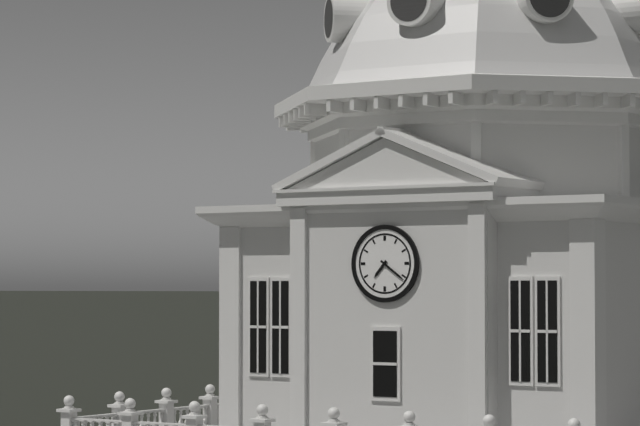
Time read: 7,21
